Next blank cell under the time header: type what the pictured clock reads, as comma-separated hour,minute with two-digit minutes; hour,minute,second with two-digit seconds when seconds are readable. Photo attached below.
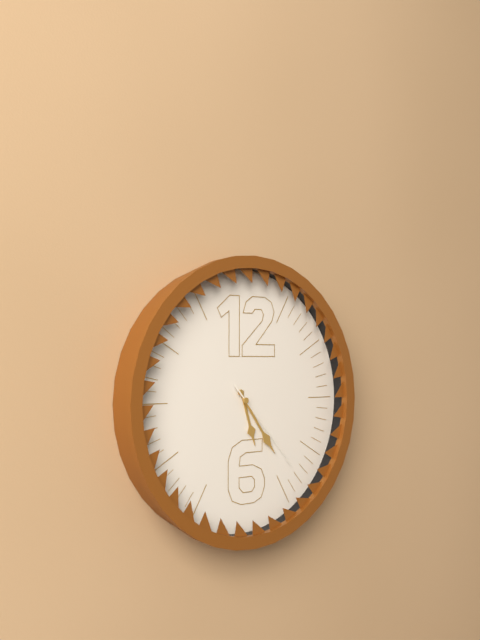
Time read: 5,24,23
